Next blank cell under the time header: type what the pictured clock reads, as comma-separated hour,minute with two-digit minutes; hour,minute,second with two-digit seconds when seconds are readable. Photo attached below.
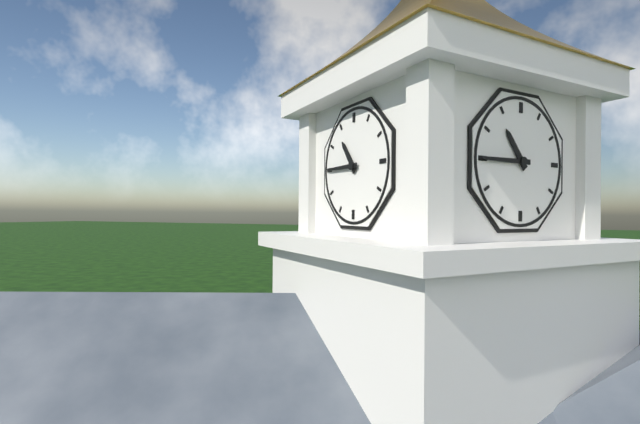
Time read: 10,45
